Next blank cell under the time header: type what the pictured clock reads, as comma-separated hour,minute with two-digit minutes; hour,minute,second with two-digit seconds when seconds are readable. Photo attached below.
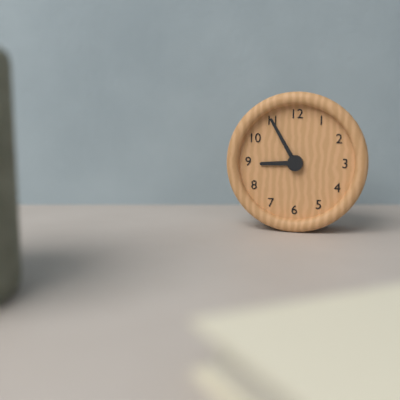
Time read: 8,55
